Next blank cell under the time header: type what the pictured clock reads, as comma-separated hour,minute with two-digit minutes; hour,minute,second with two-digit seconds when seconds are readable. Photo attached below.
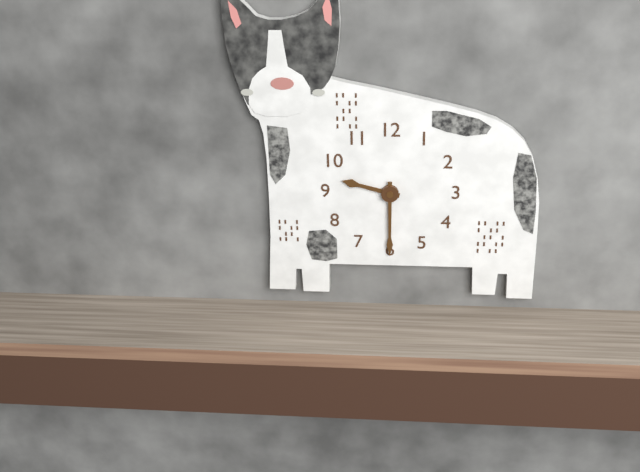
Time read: 9,30
